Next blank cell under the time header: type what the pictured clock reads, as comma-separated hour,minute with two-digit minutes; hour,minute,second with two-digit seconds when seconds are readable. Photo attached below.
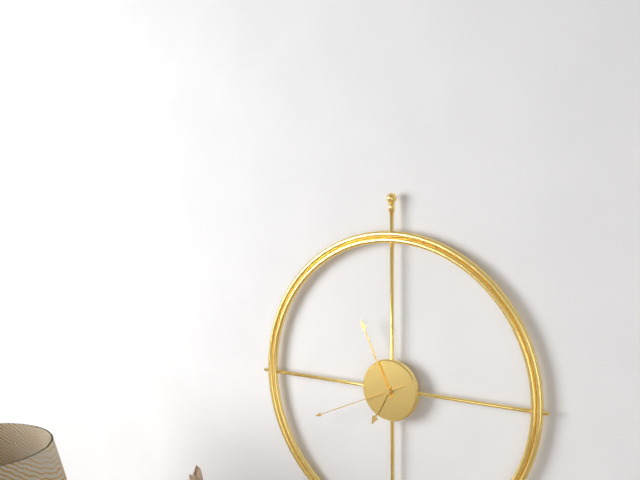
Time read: 6,56,41
